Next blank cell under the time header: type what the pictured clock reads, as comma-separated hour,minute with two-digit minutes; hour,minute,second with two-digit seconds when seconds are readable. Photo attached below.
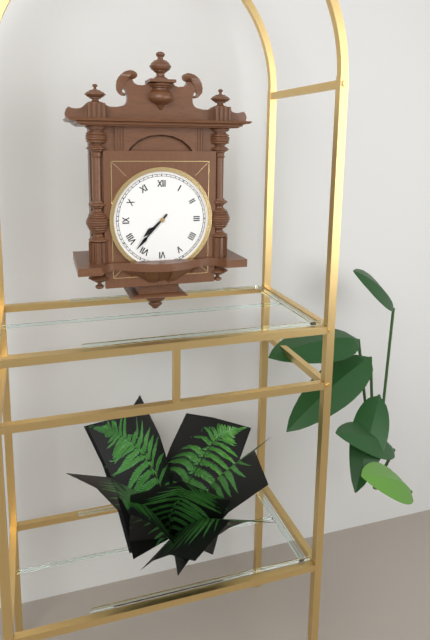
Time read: 7,37
